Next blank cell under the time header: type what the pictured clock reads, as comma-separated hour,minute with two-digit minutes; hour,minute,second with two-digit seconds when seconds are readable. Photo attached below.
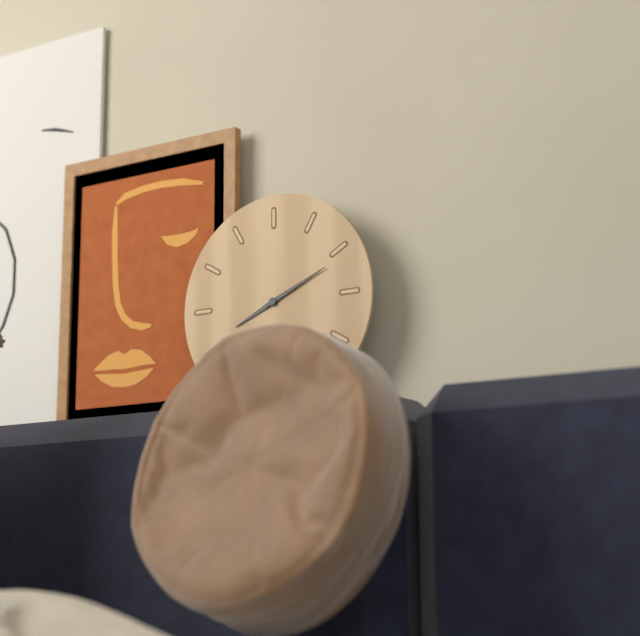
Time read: 8,11
